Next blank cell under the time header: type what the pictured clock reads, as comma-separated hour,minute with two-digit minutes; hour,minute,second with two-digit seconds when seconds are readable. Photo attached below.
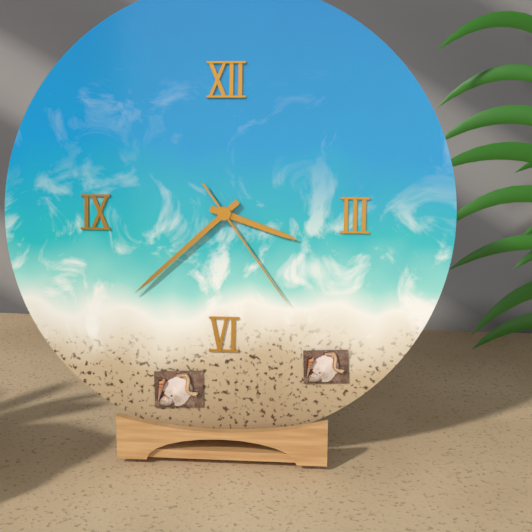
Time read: 3,38,24
